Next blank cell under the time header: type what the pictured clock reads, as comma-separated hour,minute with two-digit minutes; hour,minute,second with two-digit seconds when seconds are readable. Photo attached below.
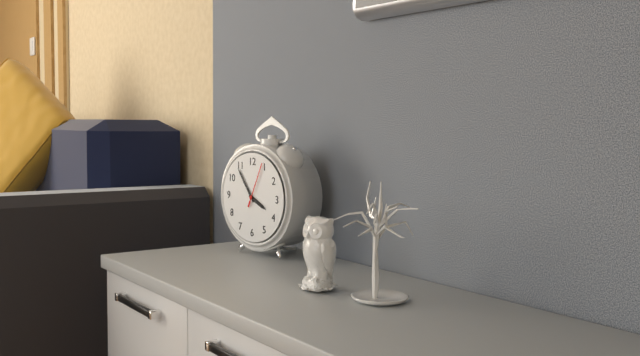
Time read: 3,54
